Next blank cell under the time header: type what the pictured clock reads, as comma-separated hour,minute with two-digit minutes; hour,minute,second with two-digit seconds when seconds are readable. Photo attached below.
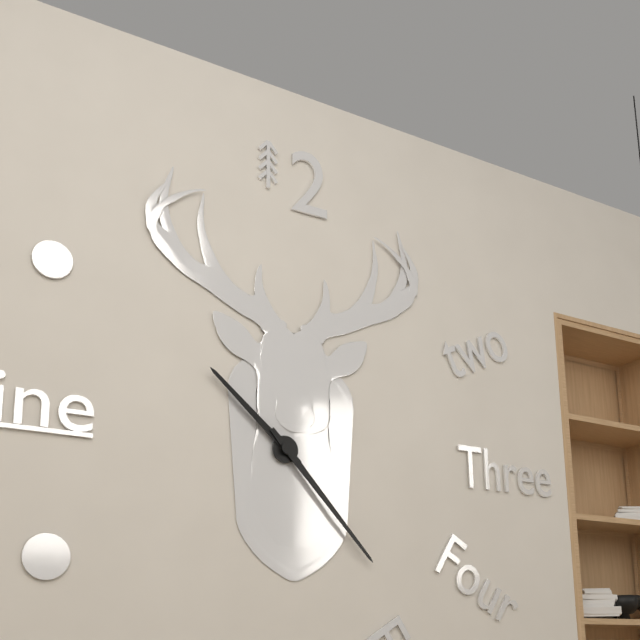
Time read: 10,23
